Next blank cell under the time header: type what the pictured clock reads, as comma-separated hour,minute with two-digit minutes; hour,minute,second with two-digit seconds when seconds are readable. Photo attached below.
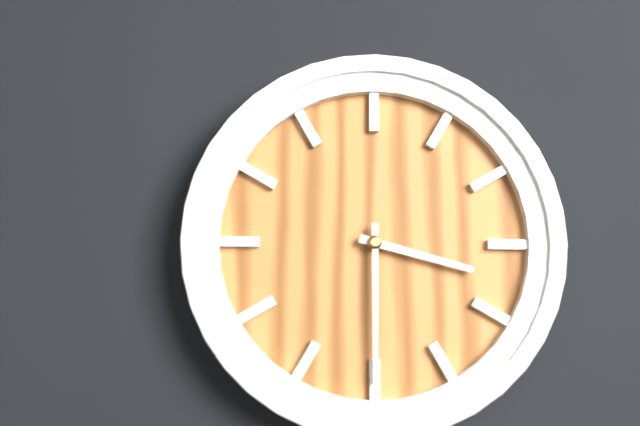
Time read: 3,30
